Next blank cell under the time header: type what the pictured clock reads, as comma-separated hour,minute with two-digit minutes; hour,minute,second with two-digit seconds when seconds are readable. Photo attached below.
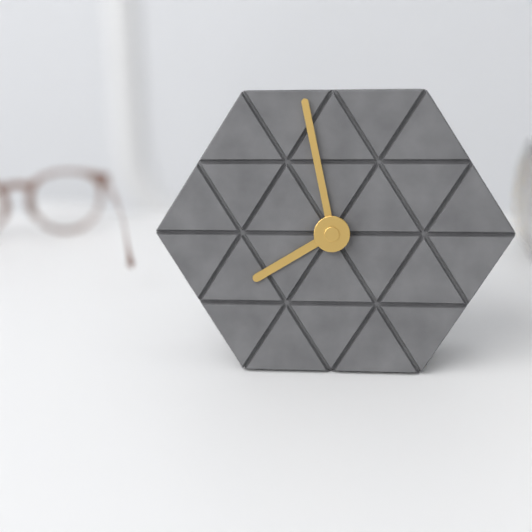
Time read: 7,58
